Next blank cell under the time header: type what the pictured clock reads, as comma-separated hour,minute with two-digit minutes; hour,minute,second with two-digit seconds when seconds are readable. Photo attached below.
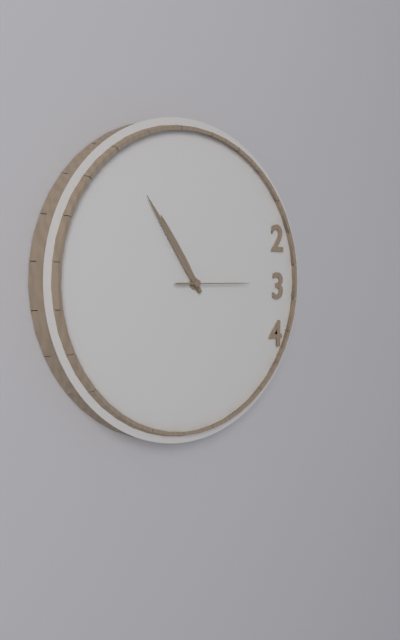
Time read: 10,54,15
